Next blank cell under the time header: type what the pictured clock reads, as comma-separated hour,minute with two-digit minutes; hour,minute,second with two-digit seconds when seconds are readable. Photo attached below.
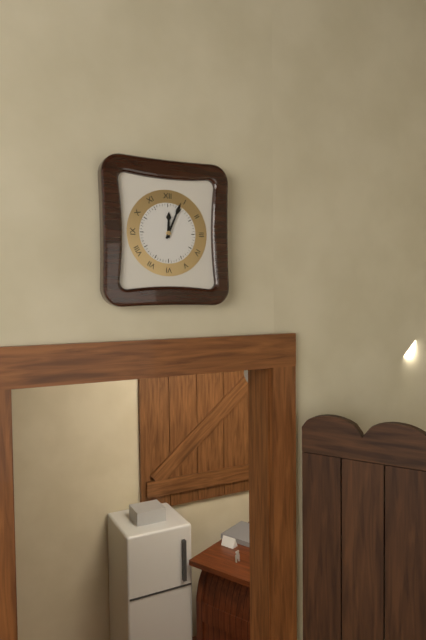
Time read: 12,04
